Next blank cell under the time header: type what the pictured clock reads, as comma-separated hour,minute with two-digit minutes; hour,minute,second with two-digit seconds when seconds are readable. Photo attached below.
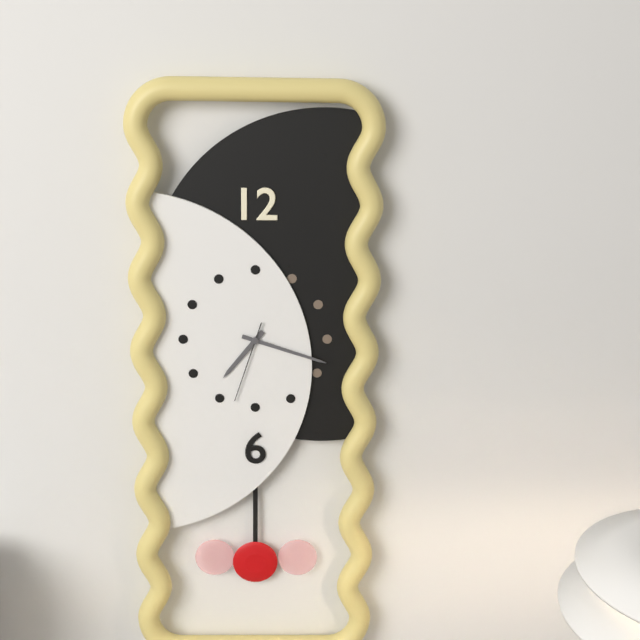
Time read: 7,18,33
